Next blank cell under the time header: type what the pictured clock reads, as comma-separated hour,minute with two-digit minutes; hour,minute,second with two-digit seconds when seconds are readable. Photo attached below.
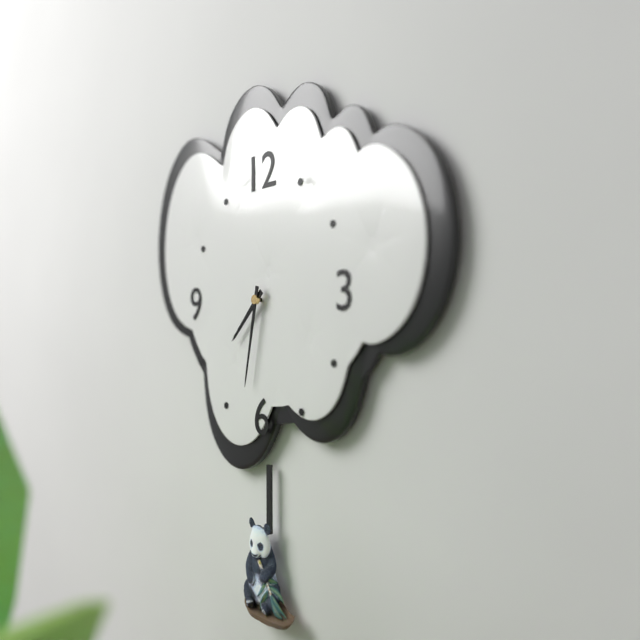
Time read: 7,32
